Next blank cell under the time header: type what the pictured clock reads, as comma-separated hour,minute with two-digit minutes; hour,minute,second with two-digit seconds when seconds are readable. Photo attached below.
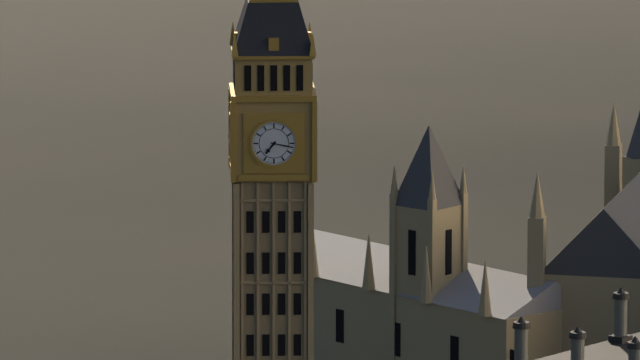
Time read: 7,17
